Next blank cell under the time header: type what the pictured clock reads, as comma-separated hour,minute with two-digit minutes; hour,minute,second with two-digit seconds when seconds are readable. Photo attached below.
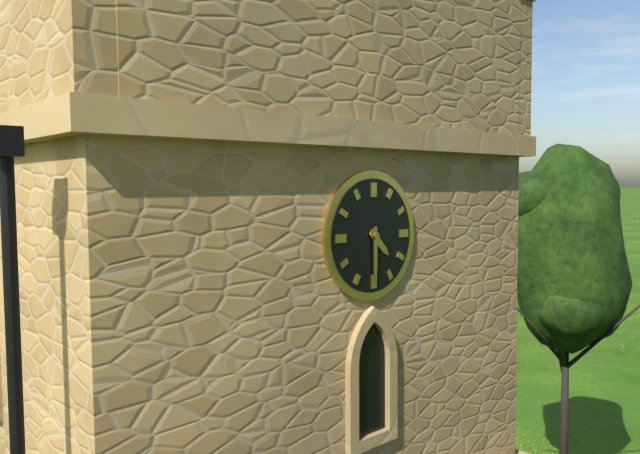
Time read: 4,30
